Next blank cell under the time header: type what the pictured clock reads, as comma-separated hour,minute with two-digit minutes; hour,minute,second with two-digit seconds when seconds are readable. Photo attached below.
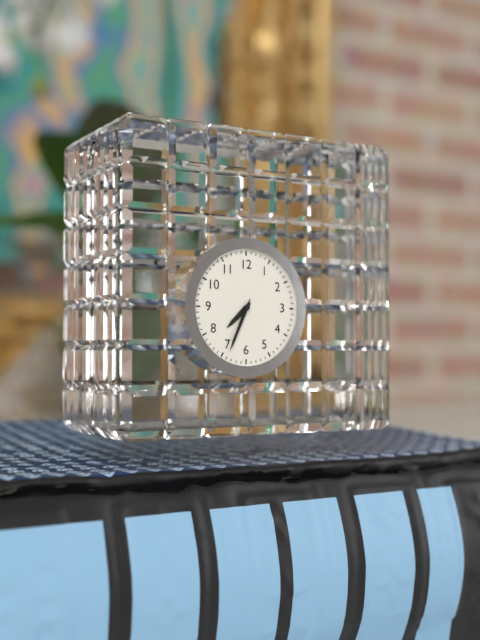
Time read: 7,34
